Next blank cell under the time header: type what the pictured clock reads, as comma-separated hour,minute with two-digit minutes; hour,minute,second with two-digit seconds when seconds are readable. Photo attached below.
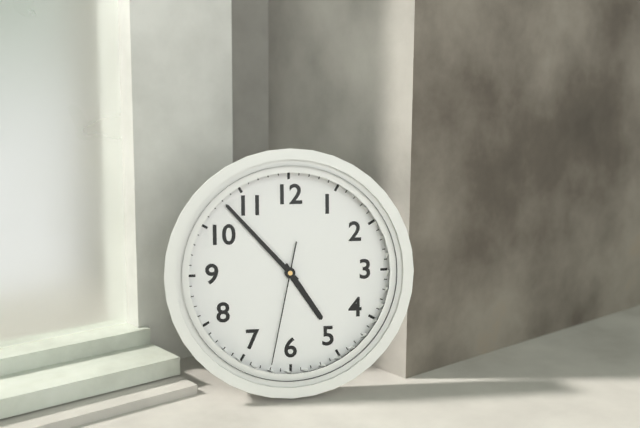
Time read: 4,53,32
